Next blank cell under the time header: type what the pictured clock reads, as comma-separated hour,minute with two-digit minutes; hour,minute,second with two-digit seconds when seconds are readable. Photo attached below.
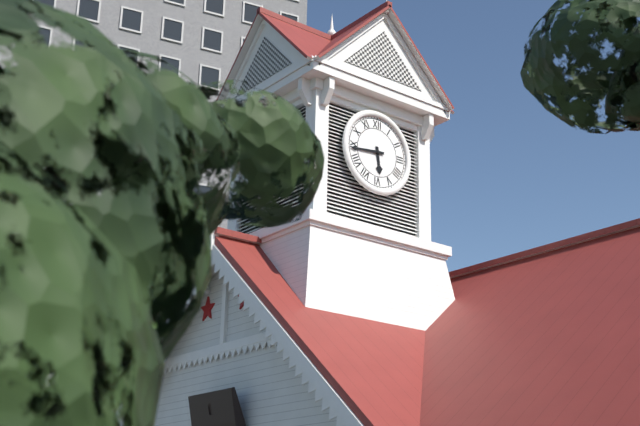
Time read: 5,44
